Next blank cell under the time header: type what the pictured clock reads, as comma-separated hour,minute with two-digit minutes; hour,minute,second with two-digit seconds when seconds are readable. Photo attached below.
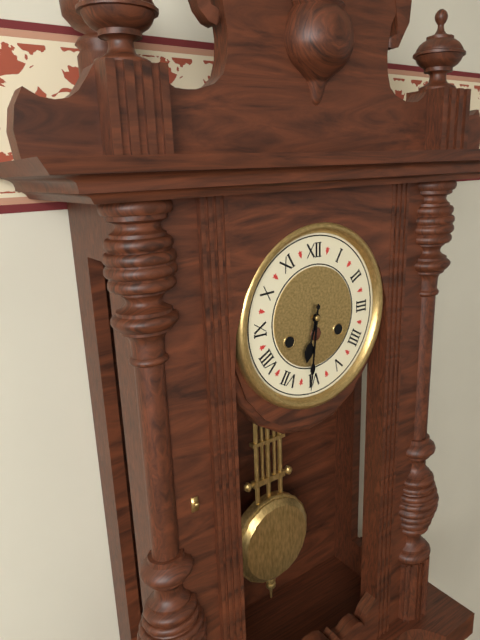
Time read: 6,31
